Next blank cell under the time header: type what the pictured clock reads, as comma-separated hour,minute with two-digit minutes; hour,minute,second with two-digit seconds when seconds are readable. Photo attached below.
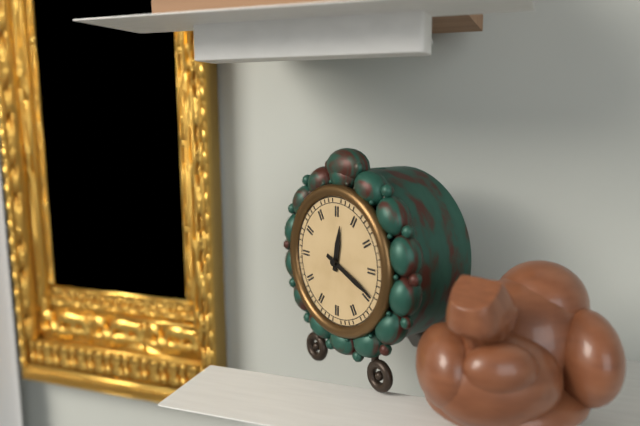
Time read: 12,19
